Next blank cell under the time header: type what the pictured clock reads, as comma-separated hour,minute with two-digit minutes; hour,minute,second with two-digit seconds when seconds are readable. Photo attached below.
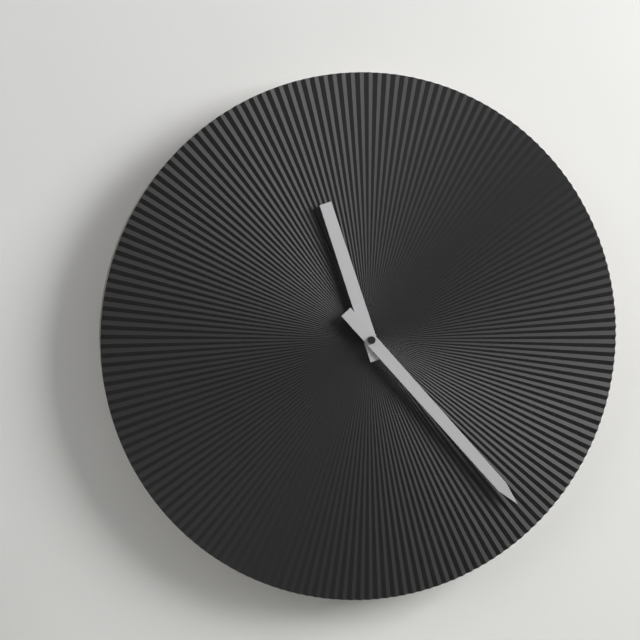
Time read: 11,23
